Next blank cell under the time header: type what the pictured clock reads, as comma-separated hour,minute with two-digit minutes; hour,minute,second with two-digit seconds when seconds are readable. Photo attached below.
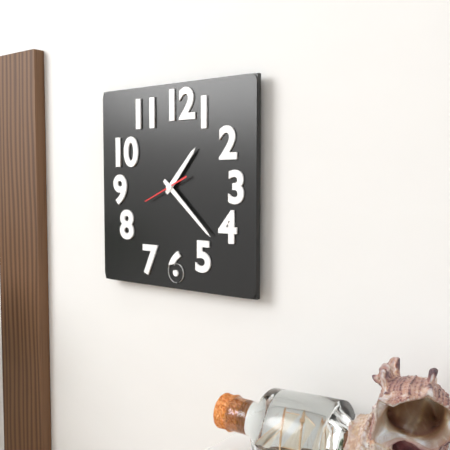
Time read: 1,22
